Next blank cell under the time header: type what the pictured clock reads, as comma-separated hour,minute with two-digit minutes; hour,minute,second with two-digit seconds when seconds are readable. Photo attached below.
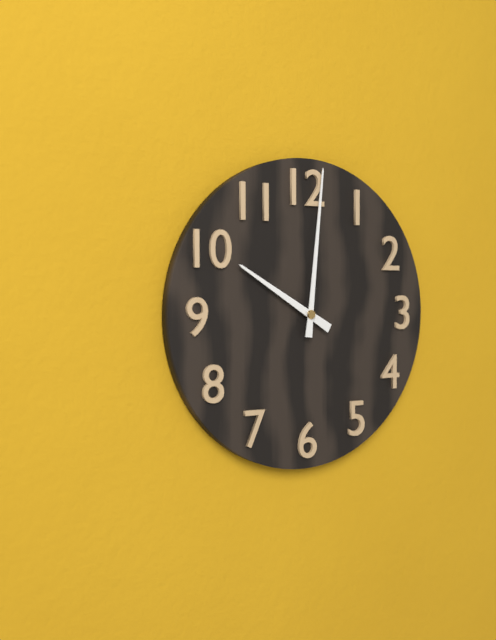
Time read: 10,01
